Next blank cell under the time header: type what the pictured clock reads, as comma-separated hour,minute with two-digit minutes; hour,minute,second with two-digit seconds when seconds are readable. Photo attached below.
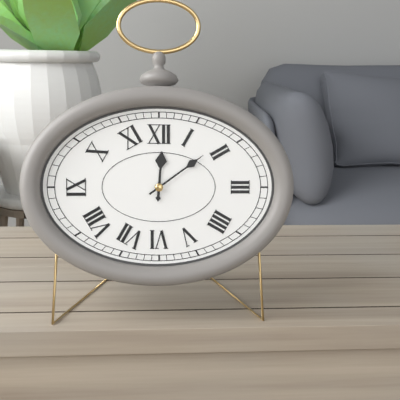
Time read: 12,09
